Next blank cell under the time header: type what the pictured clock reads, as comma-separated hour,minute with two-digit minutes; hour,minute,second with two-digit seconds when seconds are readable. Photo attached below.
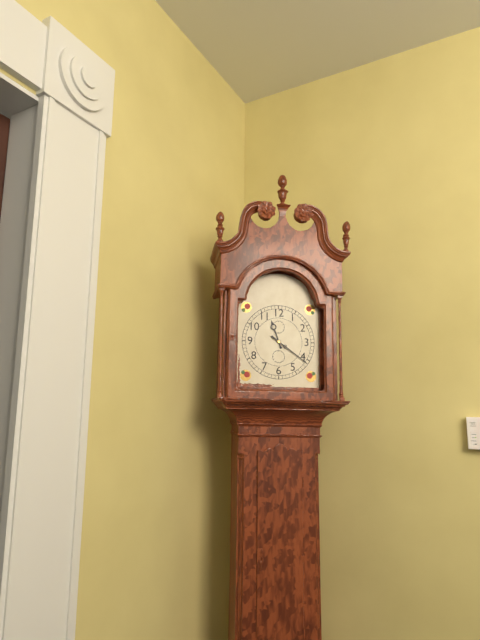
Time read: 11,21
